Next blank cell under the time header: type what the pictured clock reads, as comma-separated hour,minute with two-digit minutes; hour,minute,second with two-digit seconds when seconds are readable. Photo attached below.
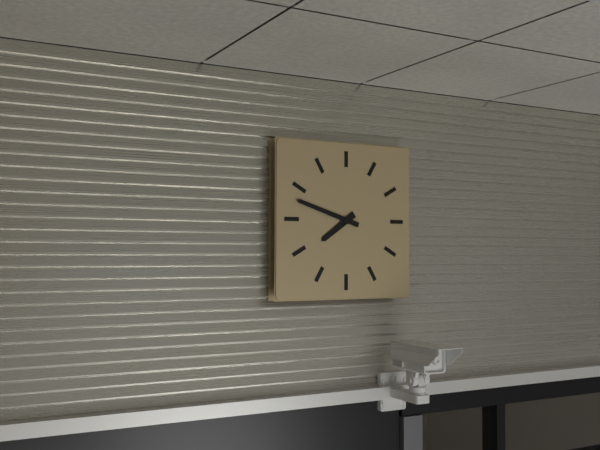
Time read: 7,48
